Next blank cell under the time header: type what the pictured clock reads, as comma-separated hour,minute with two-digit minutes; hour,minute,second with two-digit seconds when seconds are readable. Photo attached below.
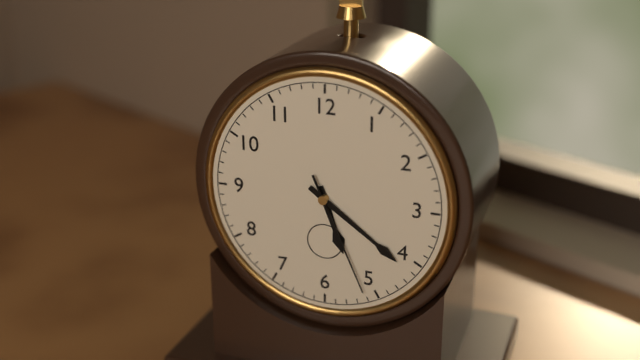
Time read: 5,21,26
